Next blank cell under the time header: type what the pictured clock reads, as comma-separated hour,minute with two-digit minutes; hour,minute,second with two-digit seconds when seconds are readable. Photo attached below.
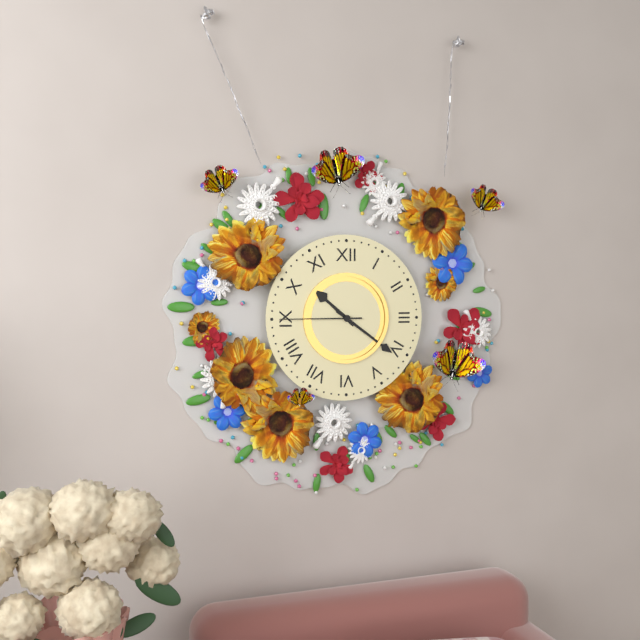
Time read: 10,21,45
